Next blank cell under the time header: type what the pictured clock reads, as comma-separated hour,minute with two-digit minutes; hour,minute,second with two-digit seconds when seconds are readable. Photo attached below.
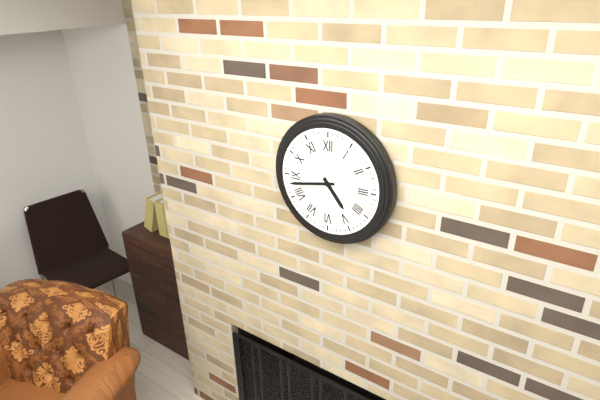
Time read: 4,43
